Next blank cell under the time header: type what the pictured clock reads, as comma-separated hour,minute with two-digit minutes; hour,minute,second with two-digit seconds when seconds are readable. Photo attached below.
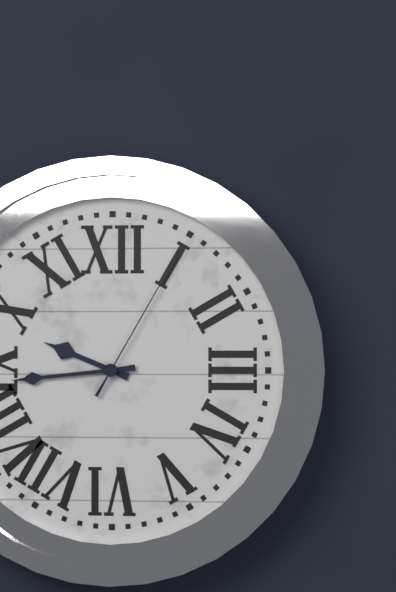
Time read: 9,44,05
